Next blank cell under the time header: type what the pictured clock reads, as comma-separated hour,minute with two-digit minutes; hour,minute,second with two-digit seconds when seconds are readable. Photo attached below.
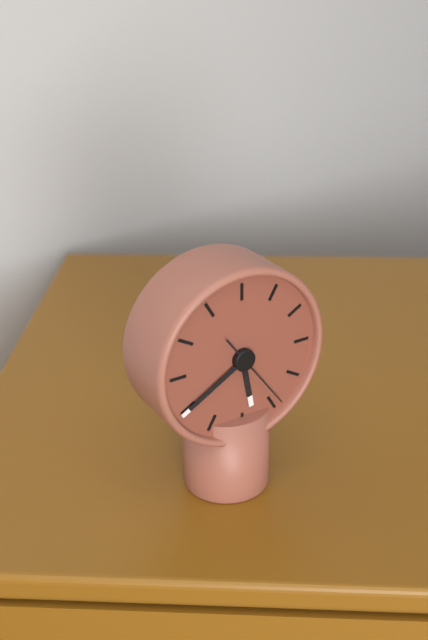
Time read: 5,40,24
